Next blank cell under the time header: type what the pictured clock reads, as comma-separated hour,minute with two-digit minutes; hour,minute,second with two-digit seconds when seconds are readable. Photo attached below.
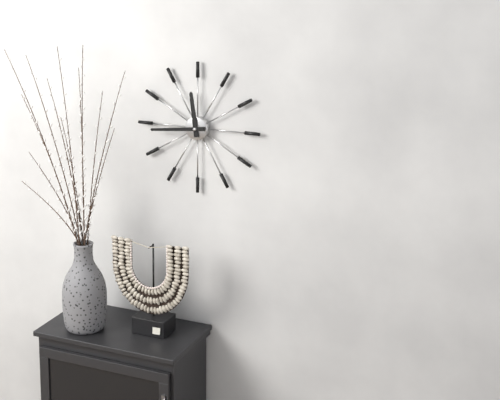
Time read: 11,44
